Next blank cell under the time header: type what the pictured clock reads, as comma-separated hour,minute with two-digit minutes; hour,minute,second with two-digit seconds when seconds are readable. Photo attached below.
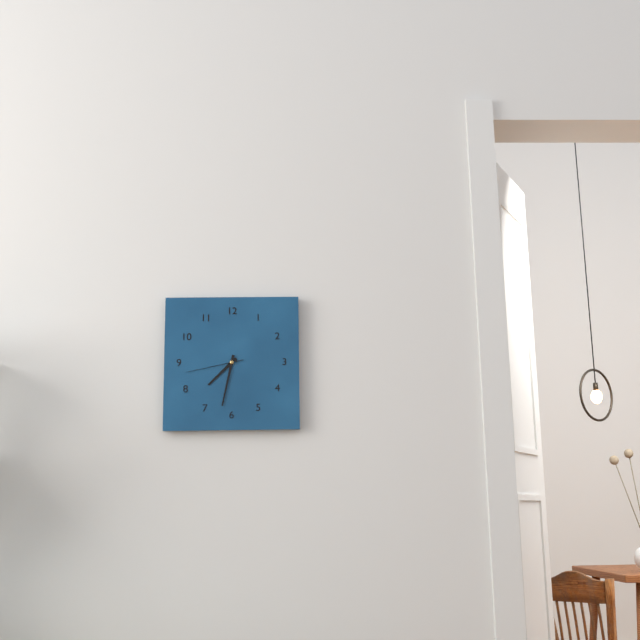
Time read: 7,32,43
